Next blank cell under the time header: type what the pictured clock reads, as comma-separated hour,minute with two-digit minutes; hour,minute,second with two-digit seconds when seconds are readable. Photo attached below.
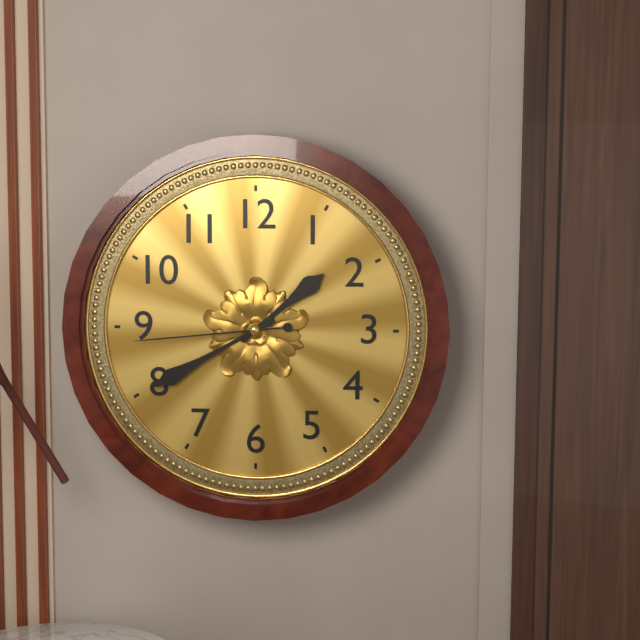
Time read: 1,40,44
